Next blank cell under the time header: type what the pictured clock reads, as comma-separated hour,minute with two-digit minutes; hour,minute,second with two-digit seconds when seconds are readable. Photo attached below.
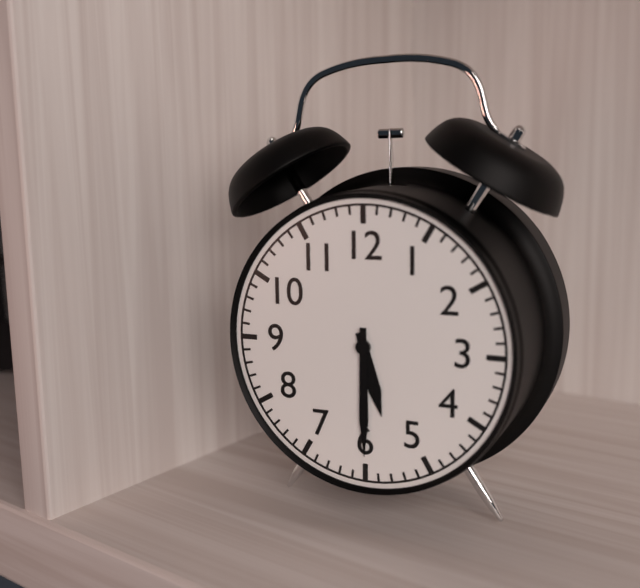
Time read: 5,30
